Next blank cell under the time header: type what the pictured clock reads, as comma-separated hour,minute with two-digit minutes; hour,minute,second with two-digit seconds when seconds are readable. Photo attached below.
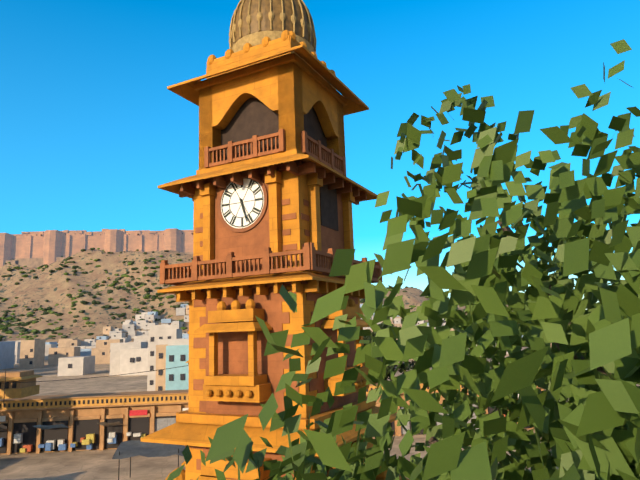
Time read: 5,27
